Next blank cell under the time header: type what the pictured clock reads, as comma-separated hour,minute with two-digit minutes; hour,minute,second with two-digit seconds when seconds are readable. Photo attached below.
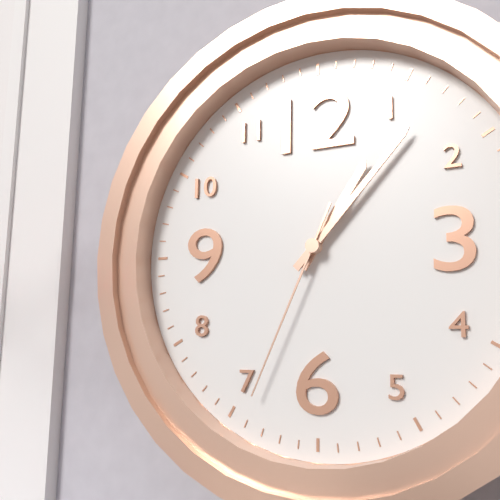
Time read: 1,07,34
